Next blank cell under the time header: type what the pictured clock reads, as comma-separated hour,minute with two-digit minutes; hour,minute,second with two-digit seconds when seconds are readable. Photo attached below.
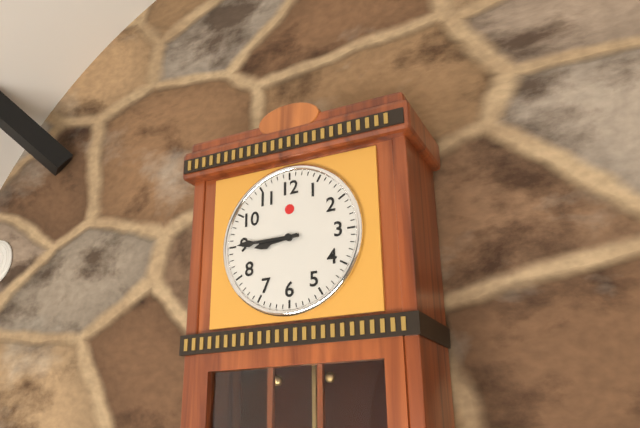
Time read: 8,45
